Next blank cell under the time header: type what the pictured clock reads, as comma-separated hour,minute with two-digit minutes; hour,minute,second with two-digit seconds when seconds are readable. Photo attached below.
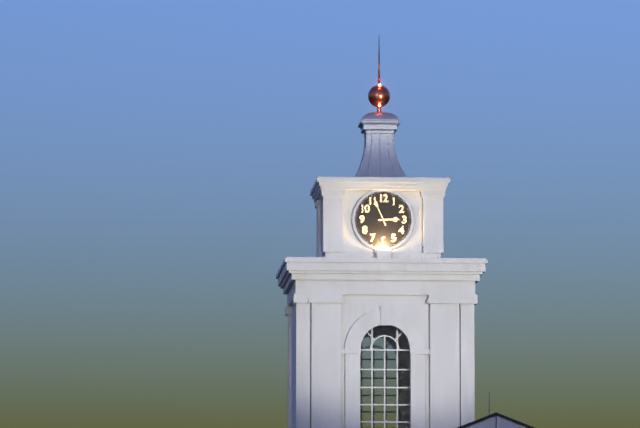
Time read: 2,56
